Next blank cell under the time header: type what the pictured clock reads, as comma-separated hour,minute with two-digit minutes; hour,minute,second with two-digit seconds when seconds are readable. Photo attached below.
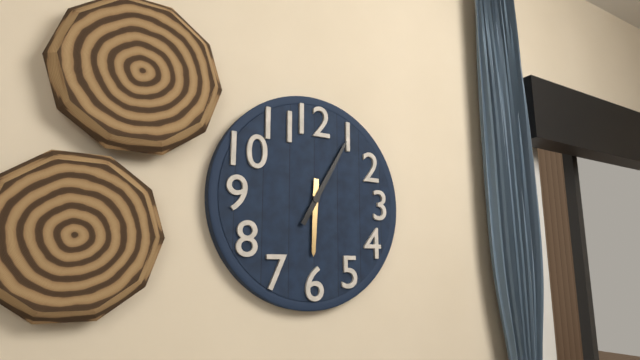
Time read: 6,05
